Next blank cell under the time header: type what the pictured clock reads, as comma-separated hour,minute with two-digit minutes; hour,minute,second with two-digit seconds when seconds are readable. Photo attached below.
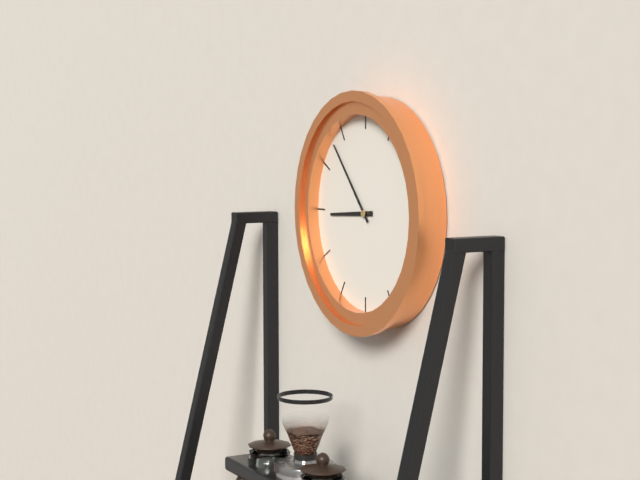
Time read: 8,53
